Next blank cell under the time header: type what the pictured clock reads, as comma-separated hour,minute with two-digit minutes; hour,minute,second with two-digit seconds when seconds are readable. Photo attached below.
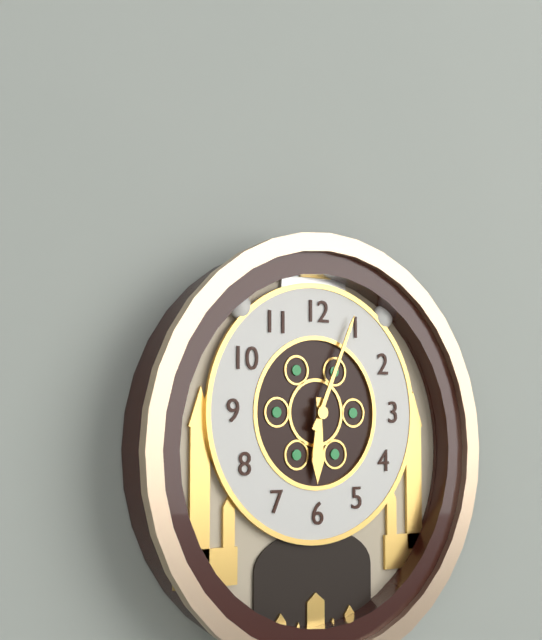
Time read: 6,04
